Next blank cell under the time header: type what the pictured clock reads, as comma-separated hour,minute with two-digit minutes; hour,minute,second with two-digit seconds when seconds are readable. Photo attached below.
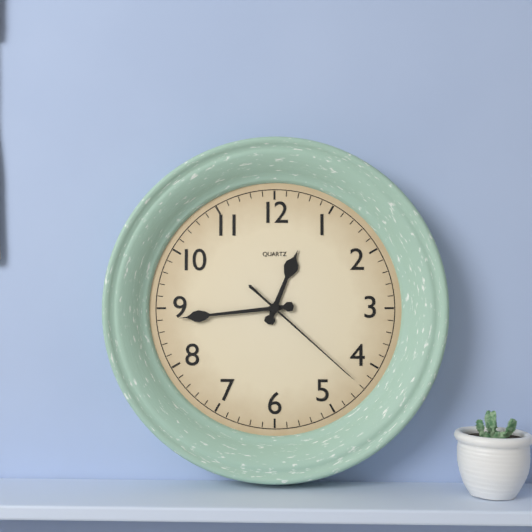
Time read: 12,44,22
